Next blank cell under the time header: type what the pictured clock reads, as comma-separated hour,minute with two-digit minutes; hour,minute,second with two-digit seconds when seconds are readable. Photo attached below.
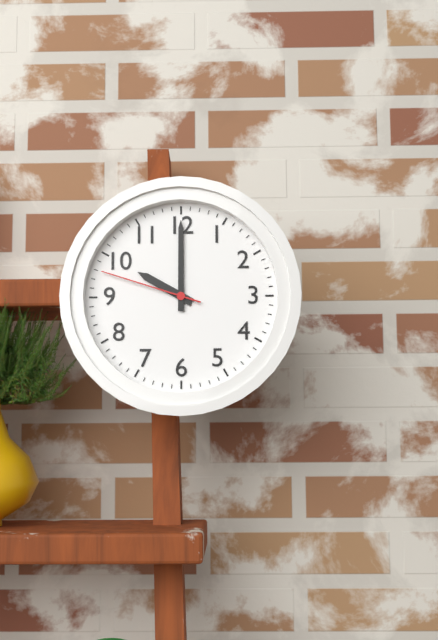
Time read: 10,00,48
